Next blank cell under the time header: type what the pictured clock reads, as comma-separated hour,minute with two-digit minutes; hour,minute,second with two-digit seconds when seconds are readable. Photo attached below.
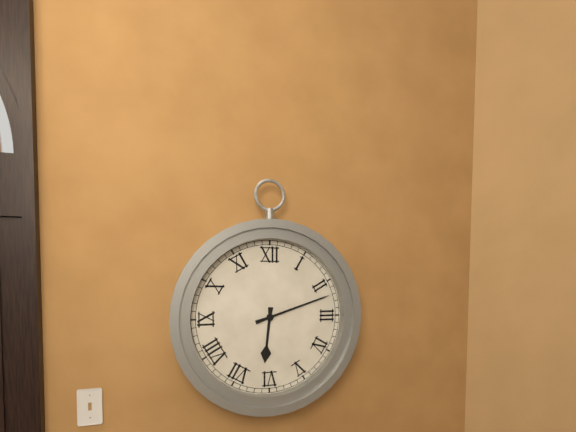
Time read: 6,12
